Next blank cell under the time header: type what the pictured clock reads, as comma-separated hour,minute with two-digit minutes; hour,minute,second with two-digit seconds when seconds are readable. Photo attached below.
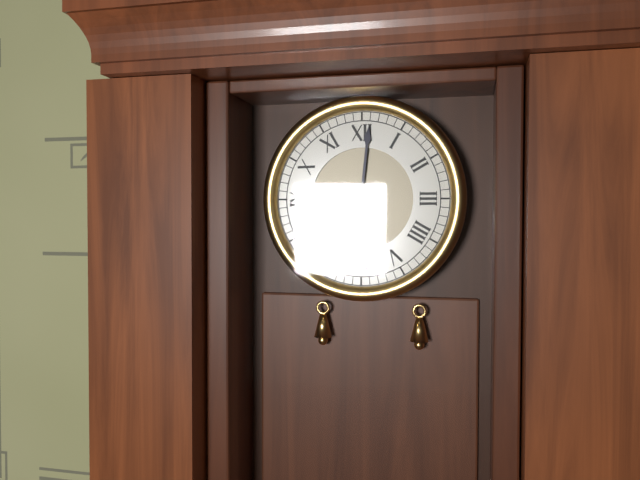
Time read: 8,01
